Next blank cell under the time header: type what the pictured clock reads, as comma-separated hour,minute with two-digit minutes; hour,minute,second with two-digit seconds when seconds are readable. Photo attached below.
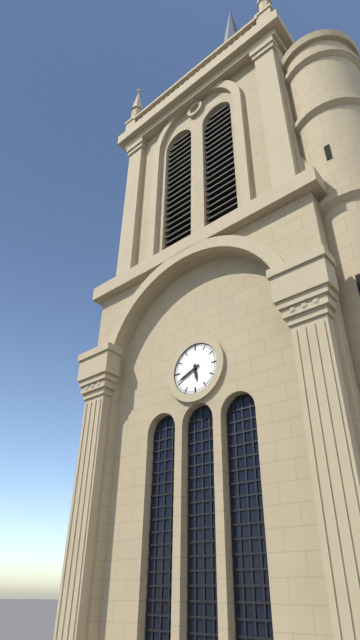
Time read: 5,41
